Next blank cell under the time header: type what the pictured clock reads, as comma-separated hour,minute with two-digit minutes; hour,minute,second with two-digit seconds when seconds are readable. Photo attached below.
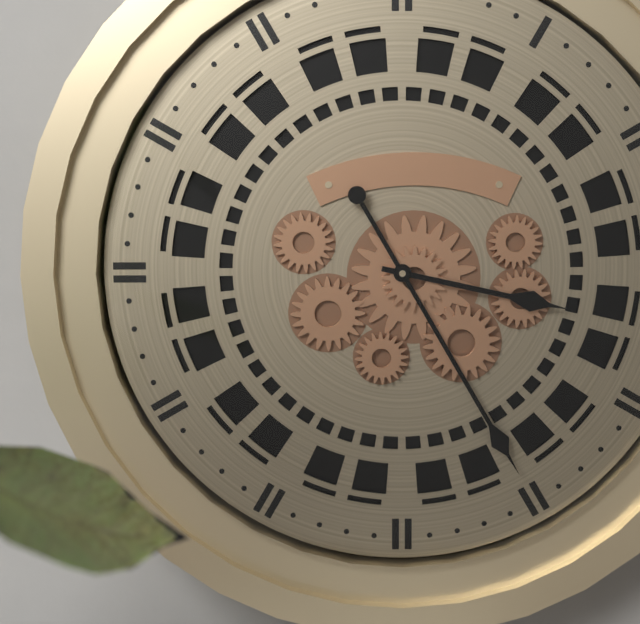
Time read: 3,25
